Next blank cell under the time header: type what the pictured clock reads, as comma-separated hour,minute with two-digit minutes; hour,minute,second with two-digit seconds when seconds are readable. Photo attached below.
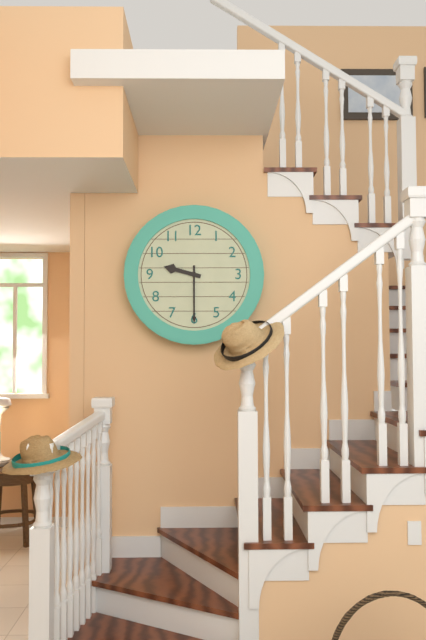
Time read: 9,30
